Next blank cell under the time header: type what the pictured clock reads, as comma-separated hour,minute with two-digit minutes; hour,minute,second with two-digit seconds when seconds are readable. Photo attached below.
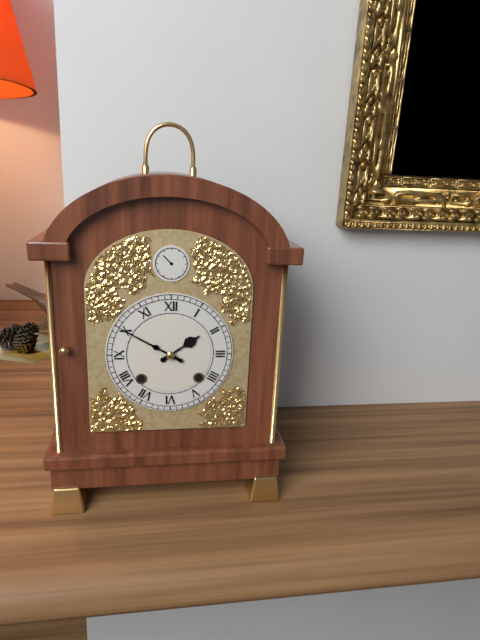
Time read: 1,50
